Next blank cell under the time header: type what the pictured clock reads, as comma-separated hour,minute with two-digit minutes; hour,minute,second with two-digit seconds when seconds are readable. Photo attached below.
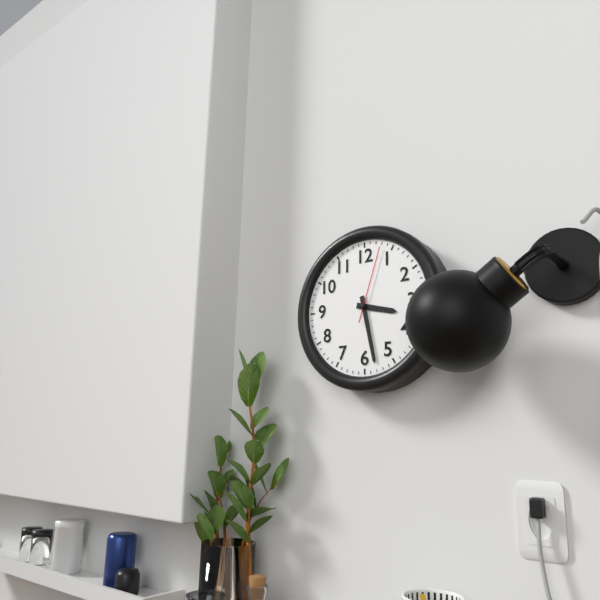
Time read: 3,28,03
